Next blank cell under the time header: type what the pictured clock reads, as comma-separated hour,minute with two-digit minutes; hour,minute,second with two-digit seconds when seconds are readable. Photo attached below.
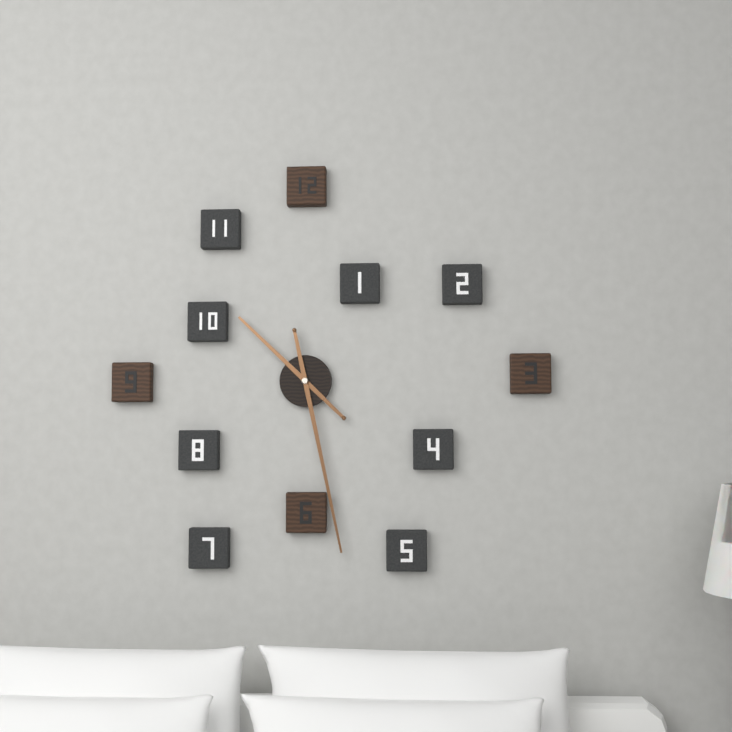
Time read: 10,28
